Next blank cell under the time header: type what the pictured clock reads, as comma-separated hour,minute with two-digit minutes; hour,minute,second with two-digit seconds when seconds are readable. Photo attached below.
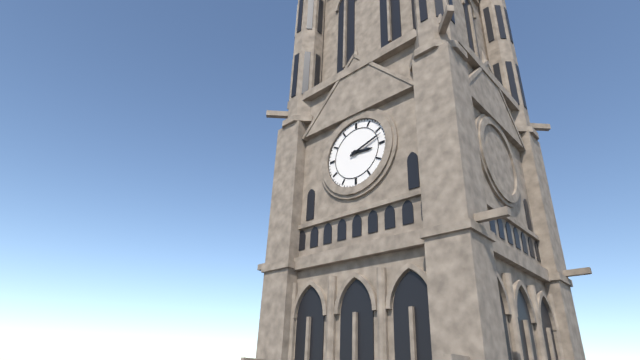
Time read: 3,12
